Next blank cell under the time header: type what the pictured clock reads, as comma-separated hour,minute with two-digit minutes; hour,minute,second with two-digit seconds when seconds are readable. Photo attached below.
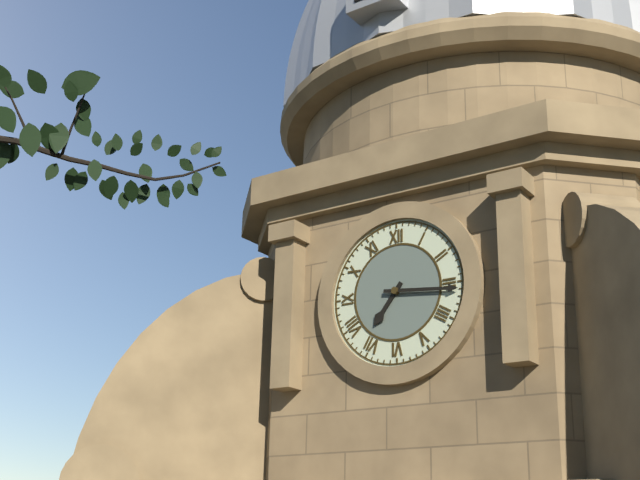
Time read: 7,16
